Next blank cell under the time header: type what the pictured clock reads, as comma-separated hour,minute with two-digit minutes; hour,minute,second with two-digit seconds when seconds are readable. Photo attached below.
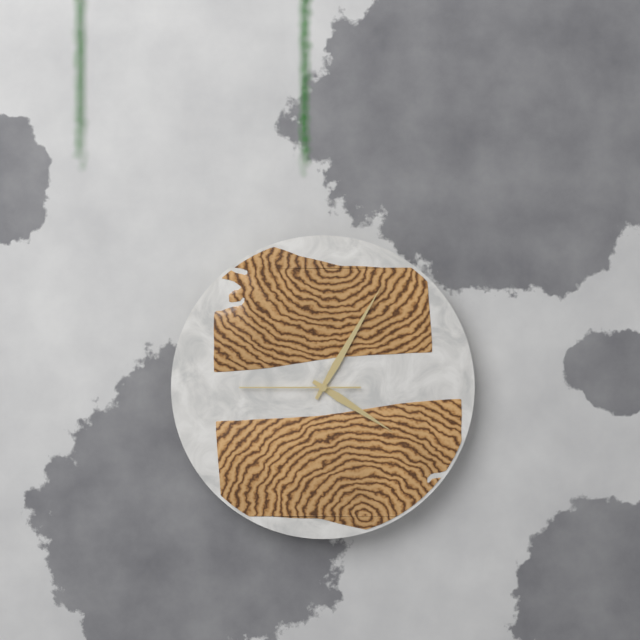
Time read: 4,05,45
